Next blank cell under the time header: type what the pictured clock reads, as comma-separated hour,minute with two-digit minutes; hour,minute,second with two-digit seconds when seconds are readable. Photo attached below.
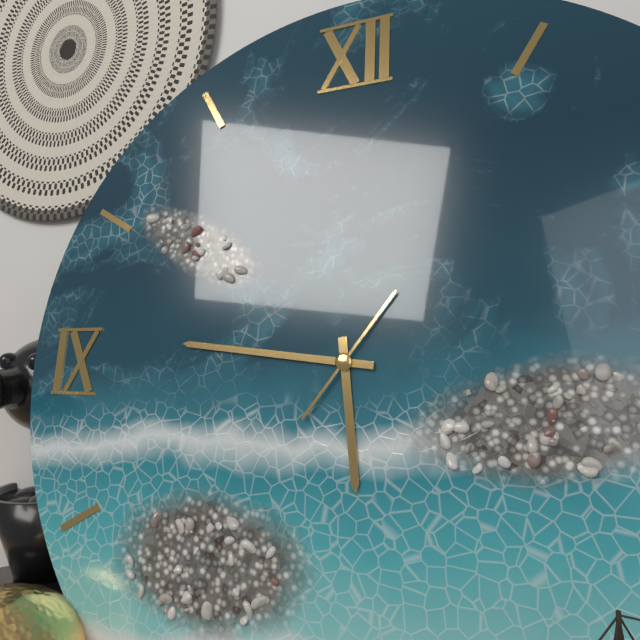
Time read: 5,46,06
